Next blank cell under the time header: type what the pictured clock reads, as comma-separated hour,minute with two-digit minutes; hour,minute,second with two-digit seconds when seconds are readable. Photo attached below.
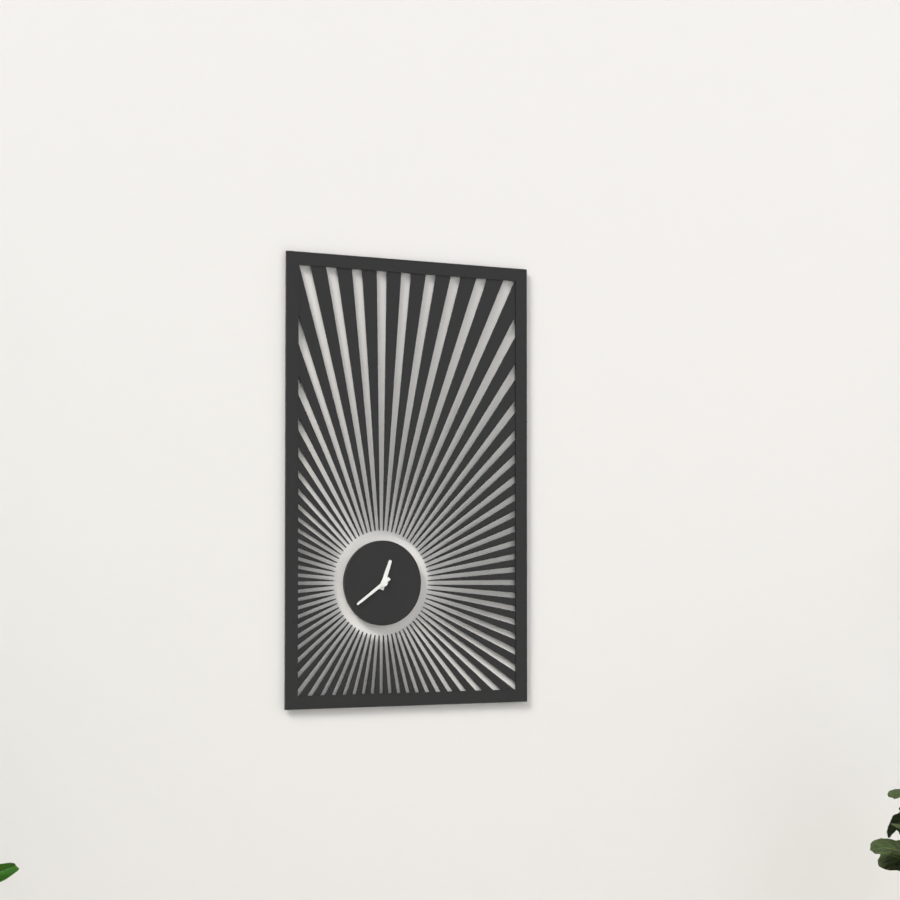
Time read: 12,39
